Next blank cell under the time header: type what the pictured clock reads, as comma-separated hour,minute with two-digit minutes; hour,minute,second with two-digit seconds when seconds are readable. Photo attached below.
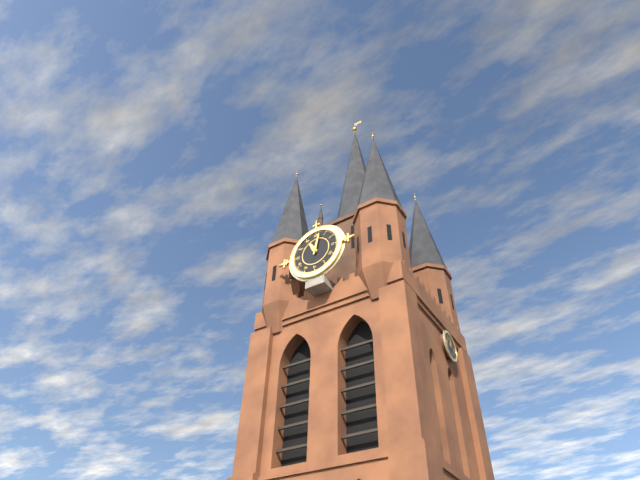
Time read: 11,02
